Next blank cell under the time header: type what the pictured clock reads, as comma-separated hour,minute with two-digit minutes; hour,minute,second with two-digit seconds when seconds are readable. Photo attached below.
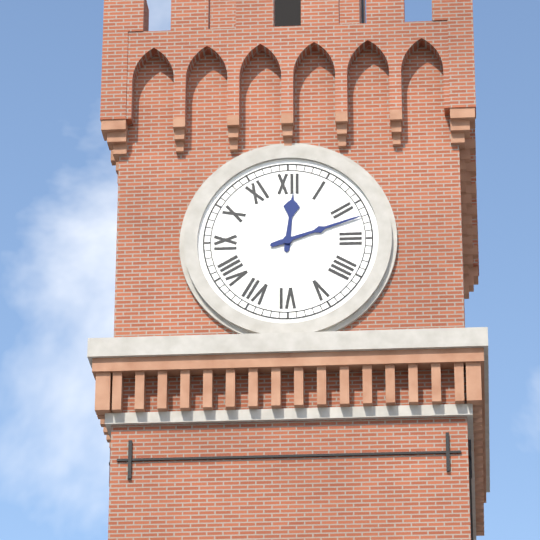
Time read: 12,12
